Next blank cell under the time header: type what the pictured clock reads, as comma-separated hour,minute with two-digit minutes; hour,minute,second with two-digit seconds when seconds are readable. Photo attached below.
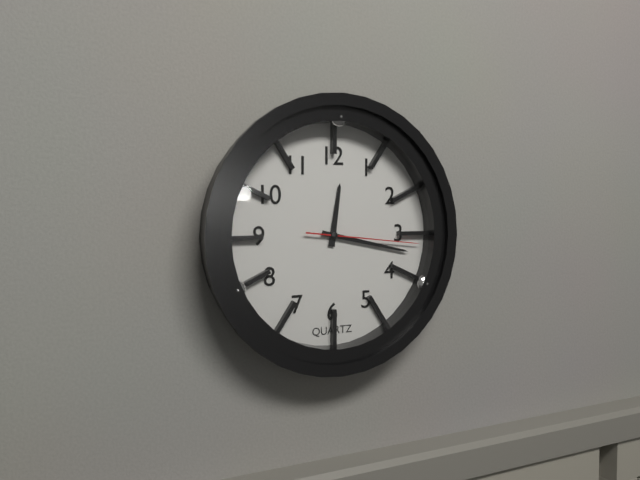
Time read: 12,17,16
